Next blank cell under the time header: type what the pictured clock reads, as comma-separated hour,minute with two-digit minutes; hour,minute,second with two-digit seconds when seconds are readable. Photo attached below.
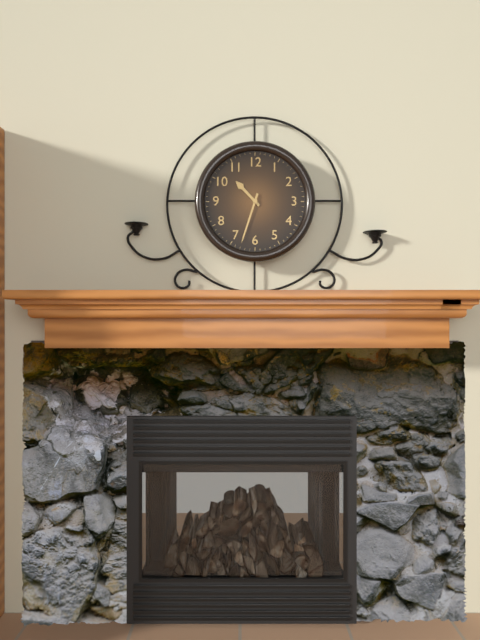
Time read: 10,33
